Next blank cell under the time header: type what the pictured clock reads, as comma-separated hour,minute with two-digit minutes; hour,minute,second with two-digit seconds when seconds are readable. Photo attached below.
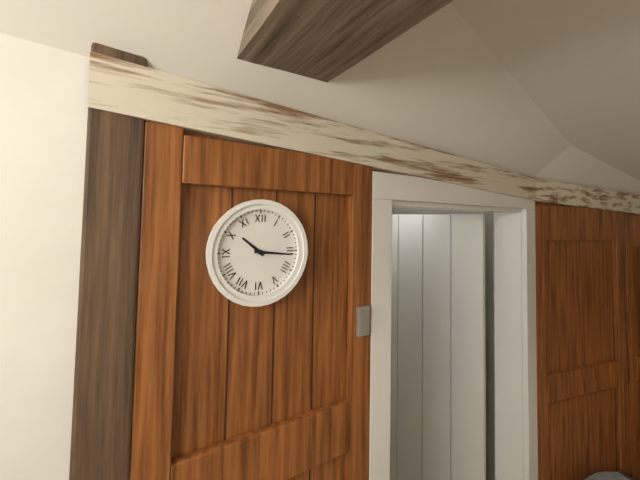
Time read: 10,16
